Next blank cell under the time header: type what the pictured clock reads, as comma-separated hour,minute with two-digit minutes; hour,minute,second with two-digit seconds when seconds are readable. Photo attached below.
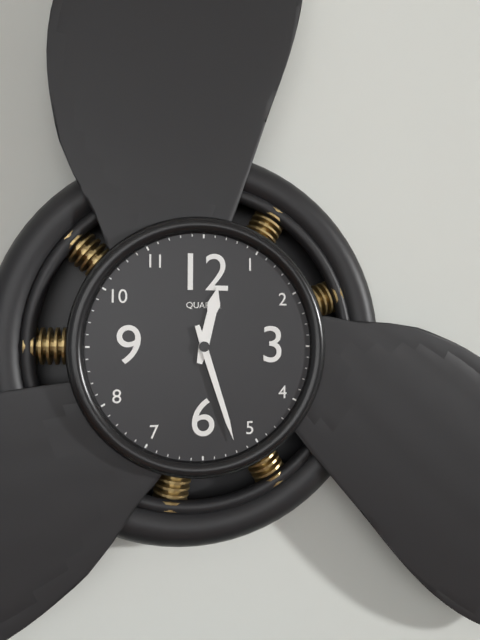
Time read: 12,27
